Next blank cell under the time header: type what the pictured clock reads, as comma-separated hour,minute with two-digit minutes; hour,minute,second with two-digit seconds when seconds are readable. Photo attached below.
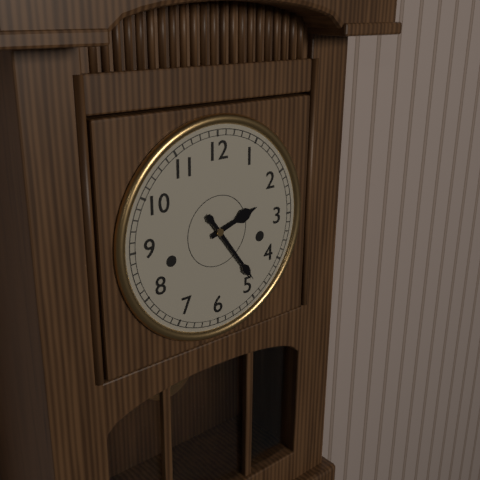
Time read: 2,24
